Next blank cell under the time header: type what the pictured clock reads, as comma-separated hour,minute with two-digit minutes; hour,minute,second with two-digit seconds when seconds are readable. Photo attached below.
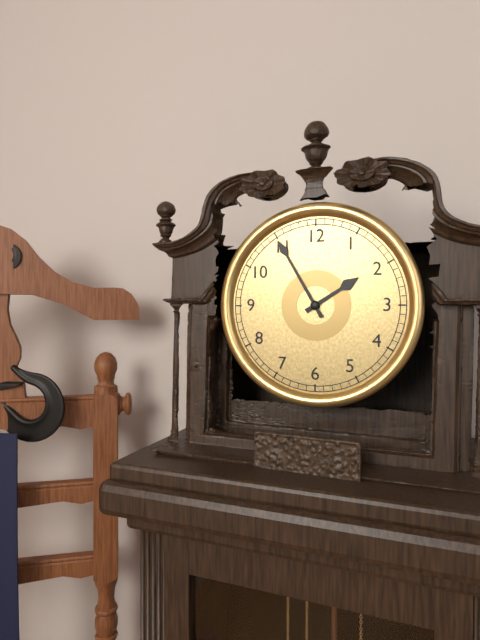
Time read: 1,55
